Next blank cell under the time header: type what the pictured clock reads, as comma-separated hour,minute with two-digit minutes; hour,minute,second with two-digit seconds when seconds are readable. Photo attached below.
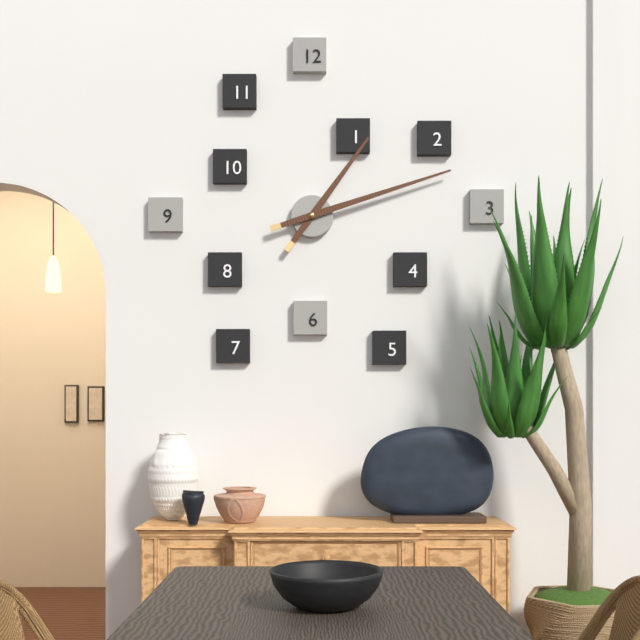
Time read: 1,12
